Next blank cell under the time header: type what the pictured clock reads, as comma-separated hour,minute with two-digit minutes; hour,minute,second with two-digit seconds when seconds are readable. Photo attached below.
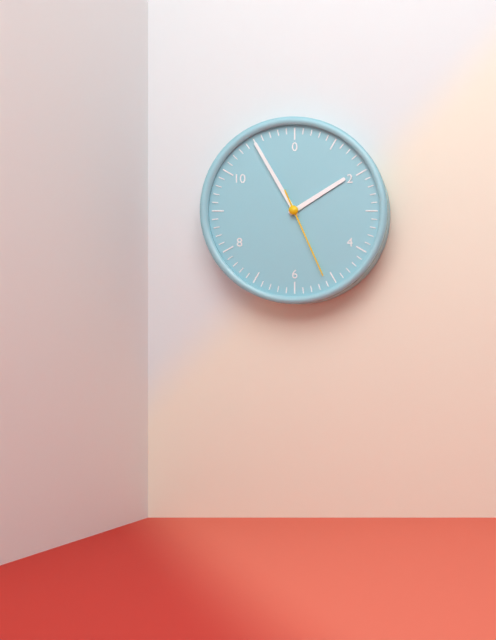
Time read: 1,55,26
